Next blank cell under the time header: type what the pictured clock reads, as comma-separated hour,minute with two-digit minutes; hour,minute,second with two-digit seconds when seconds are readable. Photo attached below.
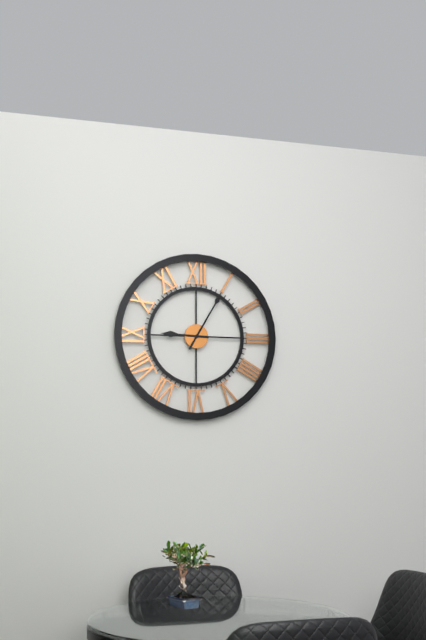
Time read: 9,05
